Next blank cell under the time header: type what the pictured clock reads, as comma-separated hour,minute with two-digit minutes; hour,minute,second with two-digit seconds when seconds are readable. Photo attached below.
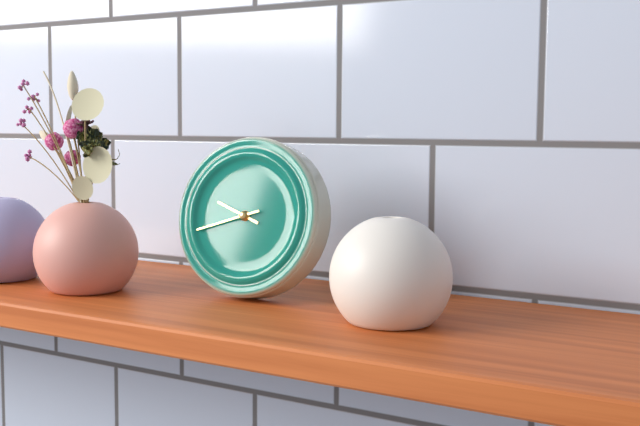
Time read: 9,42
